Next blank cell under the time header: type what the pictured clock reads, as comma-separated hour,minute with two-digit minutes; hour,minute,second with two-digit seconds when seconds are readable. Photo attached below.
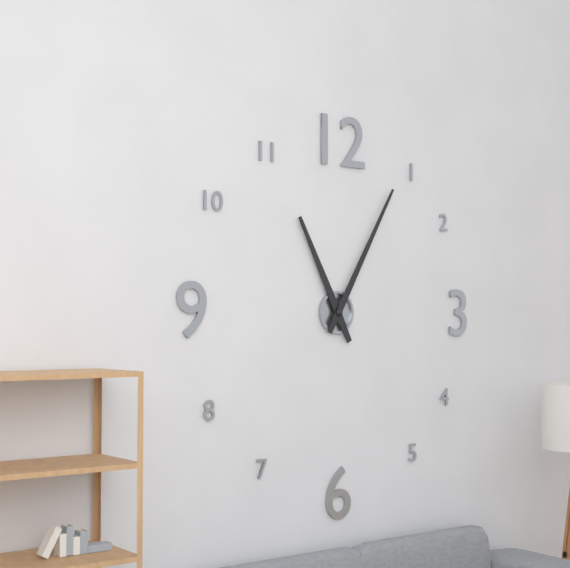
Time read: 11,05
